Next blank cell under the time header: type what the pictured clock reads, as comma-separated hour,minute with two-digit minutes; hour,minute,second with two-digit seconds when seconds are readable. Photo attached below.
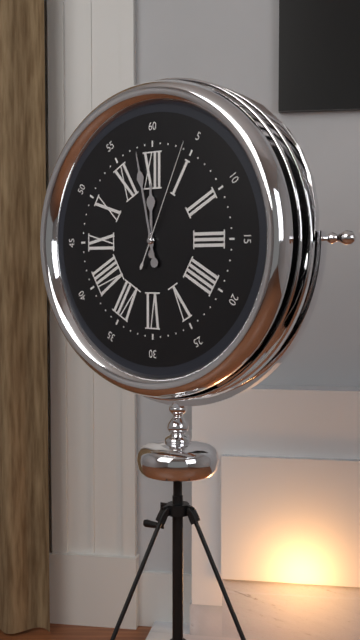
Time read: 11,58,04
